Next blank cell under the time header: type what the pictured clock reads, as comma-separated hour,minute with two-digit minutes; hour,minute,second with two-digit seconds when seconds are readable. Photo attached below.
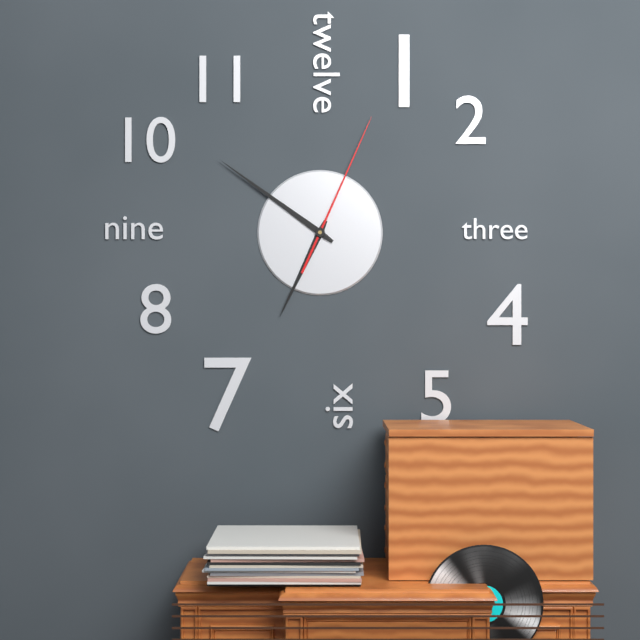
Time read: 6,51,04
